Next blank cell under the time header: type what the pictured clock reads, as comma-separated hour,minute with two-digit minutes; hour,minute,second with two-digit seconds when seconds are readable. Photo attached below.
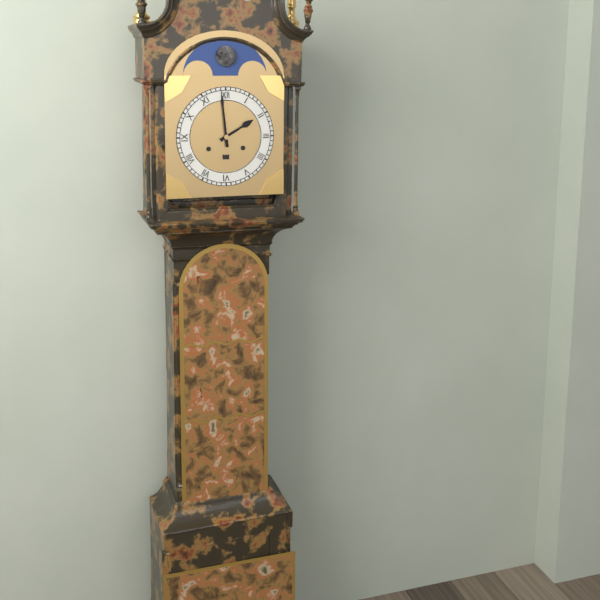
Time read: 1,59
